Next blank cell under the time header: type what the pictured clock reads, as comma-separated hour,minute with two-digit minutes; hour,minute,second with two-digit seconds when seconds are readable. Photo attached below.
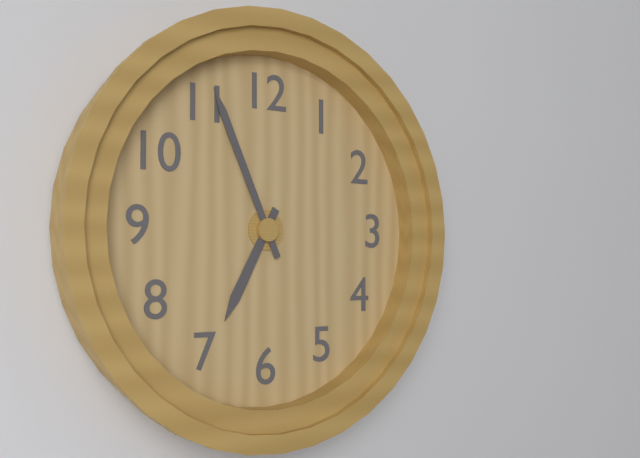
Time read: 6,56
